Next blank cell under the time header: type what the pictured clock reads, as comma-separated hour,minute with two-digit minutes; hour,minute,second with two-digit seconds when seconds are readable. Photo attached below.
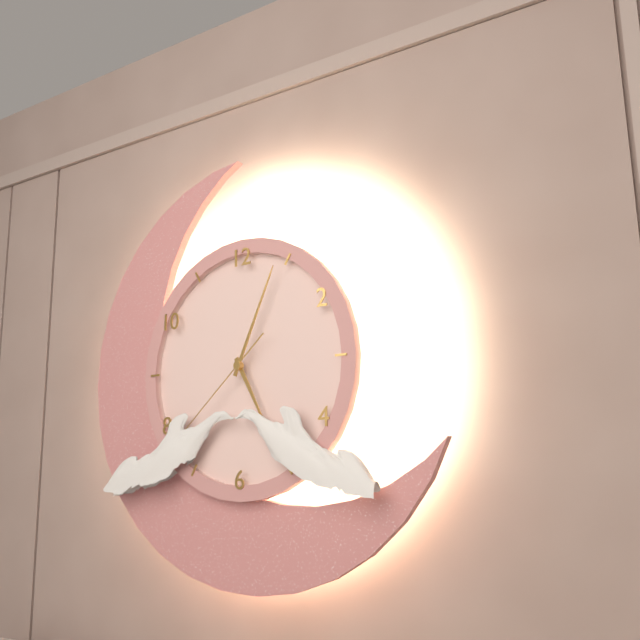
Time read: 5,04,38
